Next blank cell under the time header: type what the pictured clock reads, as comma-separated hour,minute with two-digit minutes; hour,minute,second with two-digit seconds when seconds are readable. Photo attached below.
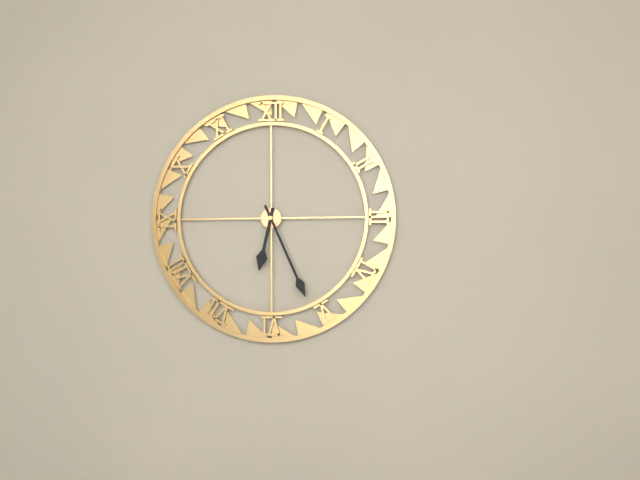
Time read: 6,26
